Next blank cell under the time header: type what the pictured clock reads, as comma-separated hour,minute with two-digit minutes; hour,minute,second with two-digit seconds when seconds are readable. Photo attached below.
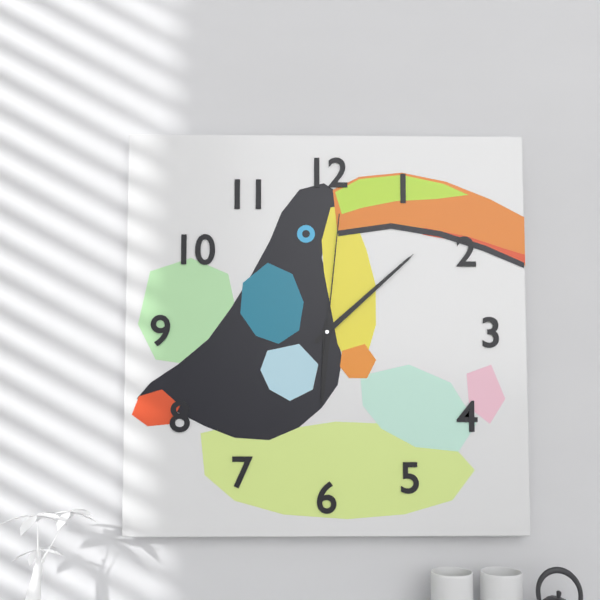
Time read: 6,08,01
